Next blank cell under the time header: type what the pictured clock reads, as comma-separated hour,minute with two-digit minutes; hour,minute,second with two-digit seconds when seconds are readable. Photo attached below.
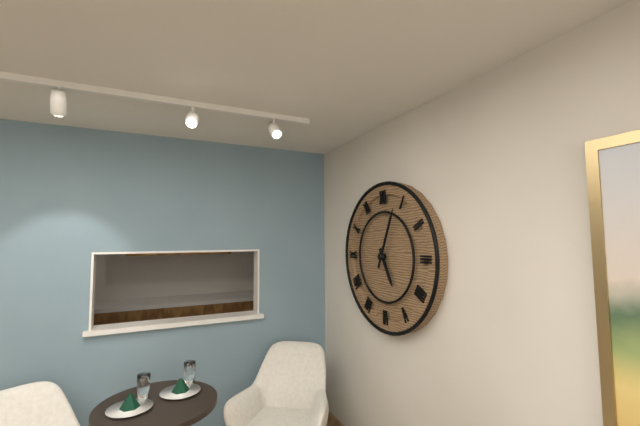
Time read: 5,04
